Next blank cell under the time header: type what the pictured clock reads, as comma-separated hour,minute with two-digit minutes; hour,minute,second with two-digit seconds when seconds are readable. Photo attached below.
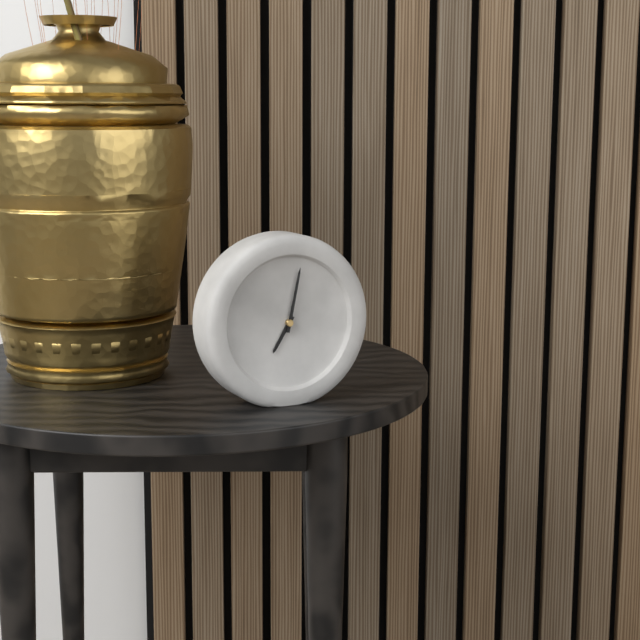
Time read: 7,02
